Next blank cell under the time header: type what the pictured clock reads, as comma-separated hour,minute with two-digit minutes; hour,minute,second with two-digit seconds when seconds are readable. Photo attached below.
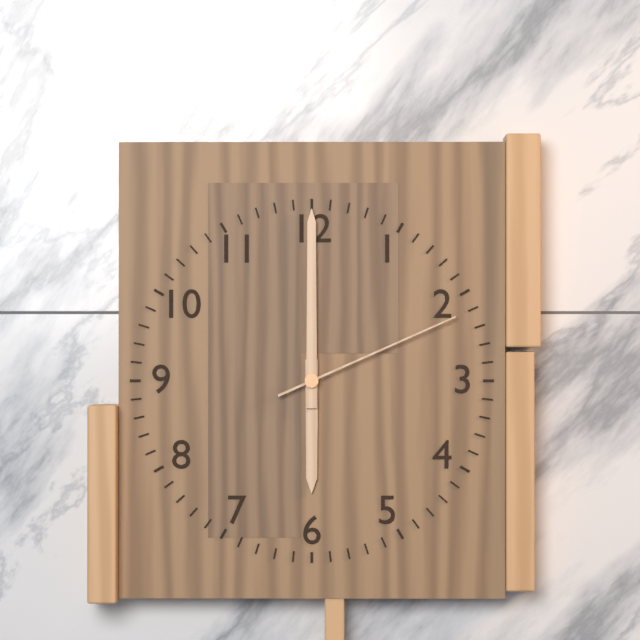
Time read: 6,00,11
